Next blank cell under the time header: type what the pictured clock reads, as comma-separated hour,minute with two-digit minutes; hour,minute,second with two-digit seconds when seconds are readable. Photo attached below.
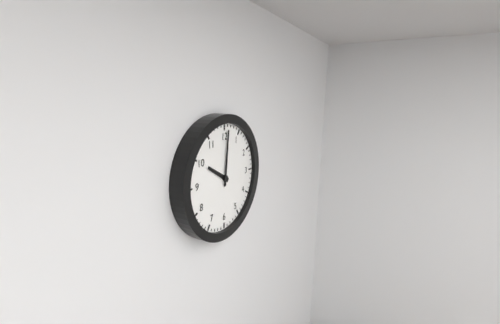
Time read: 10,01
